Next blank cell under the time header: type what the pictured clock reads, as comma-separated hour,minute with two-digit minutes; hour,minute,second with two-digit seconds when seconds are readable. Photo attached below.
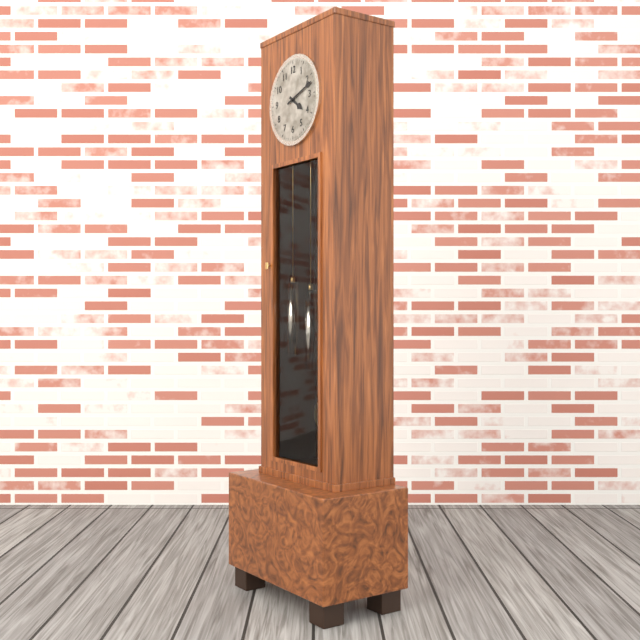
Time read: 4,12
